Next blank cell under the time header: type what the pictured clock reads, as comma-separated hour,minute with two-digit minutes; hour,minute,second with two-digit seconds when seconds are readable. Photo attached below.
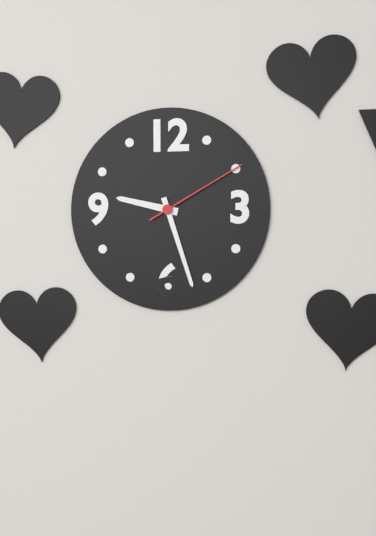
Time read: 9,27,10
